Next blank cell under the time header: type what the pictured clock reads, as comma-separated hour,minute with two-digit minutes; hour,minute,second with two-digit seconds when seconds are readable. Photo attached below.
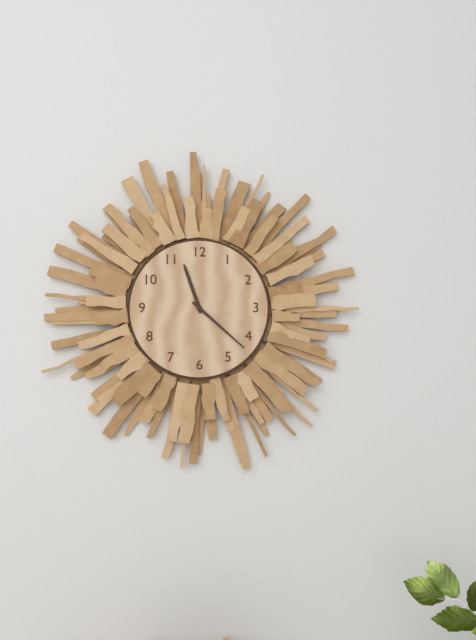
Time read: 11,22
